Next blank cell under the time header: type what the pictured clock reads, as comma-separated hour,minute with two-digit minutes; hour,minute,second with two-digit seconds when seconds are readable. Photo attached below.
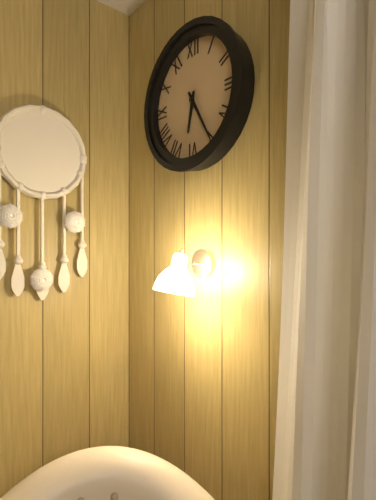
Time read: 6,25
